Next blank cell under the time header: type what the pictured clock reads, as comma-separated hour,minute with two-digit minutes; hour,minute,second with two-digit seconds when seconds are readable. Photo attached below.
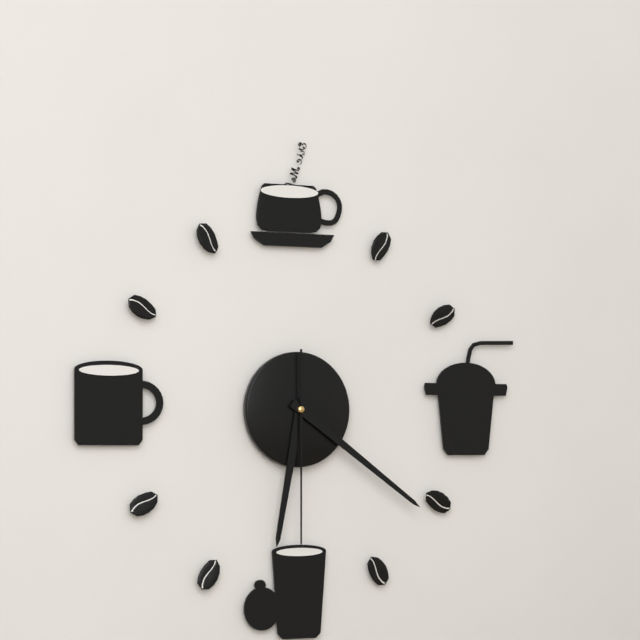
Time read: 6,21,30
